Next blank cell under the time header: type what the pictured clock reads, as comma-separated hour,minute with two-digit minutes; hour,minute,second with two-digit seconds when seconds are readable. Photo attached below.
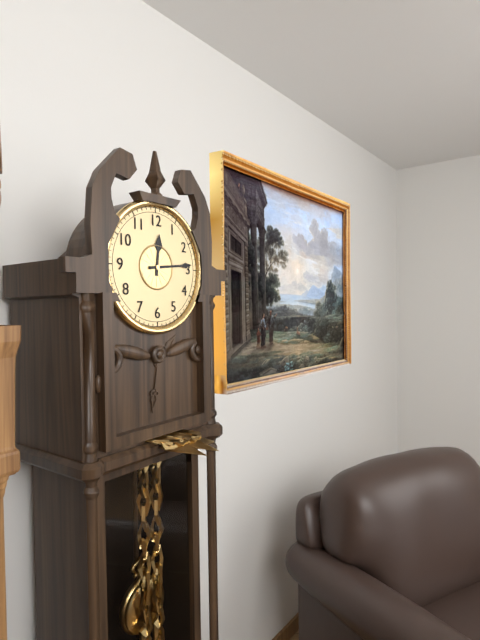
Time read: 12,14
